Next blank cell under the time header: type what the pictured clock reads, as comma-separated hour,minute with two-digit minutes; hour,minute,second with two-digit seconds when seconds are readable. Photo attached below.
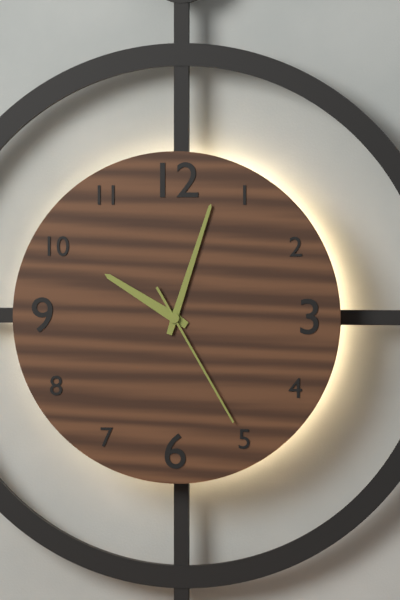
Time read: 10,03,25
